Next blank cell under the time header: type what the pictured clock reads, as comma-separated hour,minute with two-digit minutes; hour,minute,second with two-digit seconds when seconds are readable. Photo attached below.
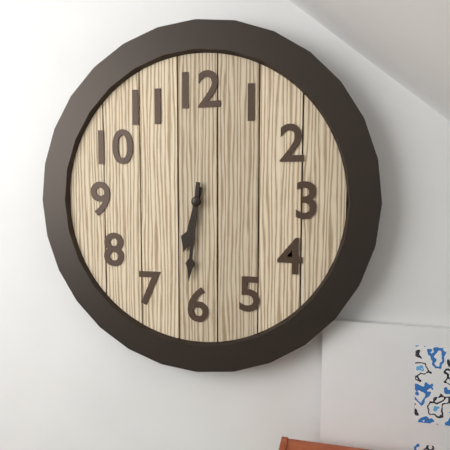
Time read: 6,31
